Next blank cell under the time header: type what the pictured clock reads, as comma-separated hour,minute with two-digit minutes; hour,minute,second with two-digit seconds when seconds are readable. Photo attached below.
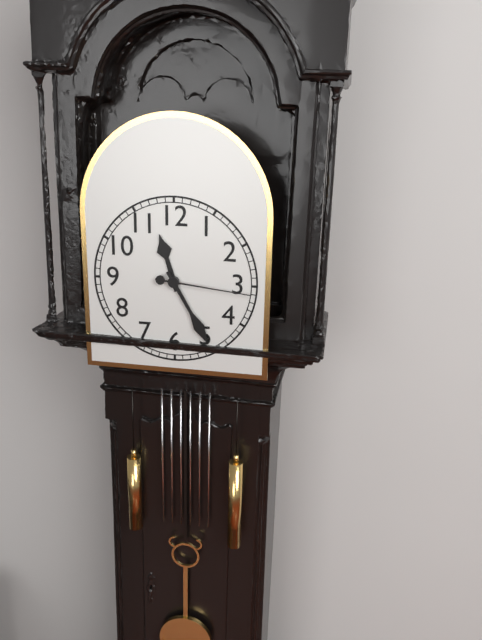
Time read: 11,25,16
